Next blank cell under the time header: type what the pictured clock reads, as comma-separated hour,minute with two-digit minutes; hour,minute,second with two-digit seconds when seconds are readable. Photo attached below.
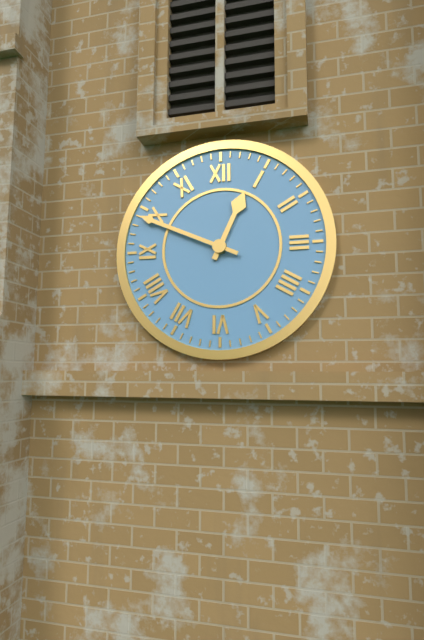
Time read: 12,49
